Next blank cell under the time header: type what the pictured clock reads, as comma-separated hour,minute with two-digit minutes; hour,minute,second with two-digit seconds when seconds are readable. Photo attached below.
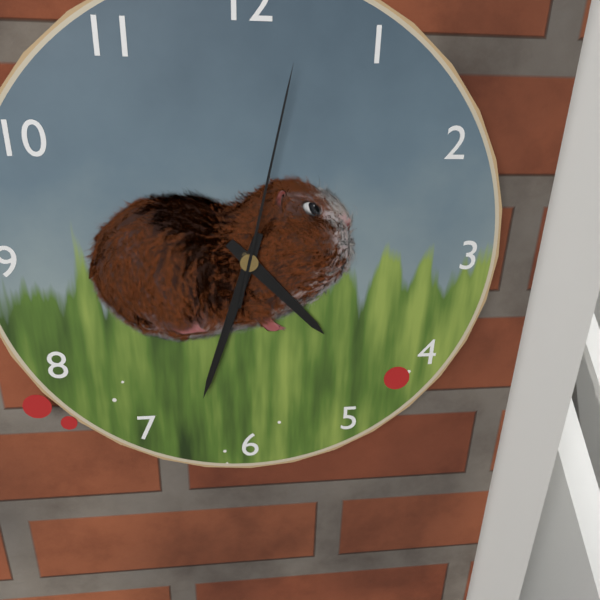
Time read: 4,33,02
